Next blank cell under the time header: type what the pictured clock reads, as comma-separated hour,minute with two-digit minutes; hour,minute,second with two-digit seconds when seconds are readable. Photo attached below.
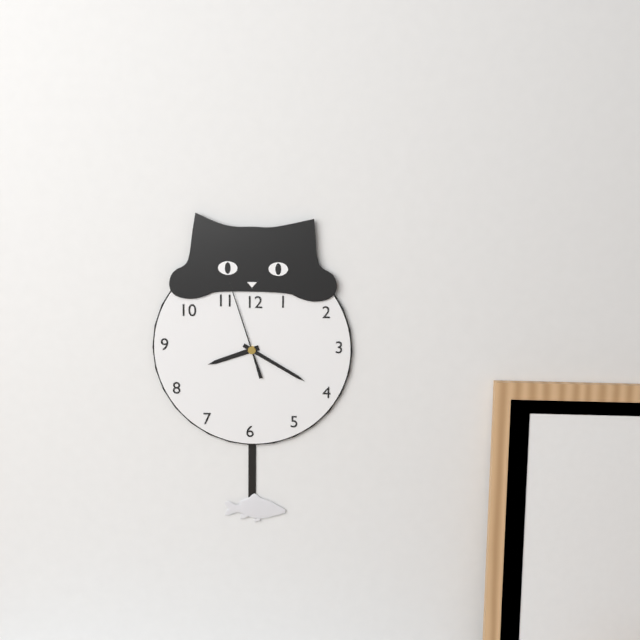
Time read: 8,20,57
